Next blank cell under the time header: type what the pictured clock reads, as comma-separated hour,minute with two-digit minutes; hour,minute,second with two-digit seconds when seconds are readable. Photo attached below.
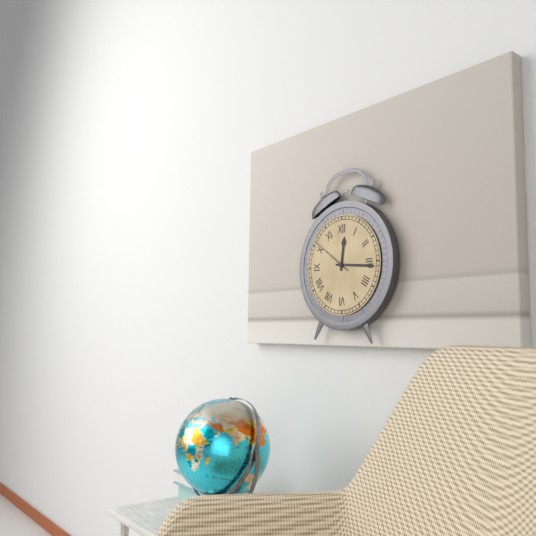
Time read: 12,16
